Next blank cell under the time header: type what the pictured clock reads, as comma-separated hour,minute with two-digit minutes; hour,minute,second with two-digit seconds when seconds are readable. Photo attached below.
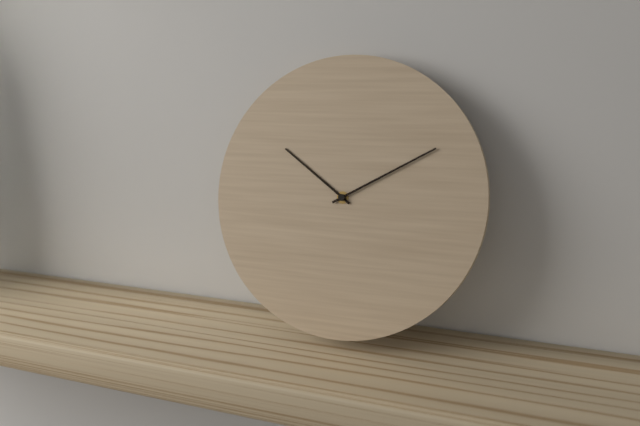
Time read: 10,10
